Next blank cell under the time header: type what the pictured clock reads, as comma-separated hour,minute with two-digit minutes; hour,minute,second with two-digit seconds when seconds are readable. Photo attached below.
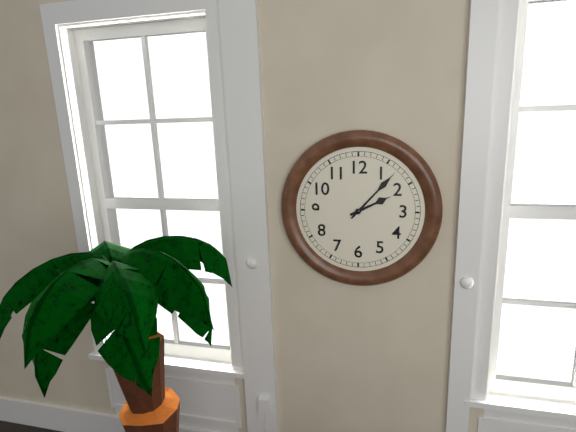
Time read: 2,07
